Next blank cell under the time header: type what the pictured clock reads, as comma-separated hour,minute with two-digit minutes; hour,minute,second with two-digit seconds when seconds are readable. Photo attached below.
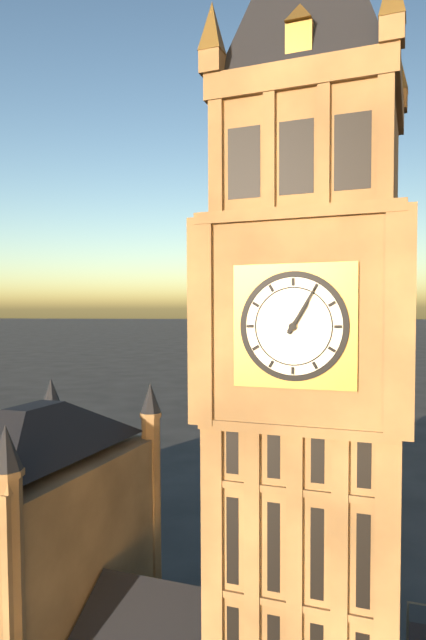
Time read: 1,05
